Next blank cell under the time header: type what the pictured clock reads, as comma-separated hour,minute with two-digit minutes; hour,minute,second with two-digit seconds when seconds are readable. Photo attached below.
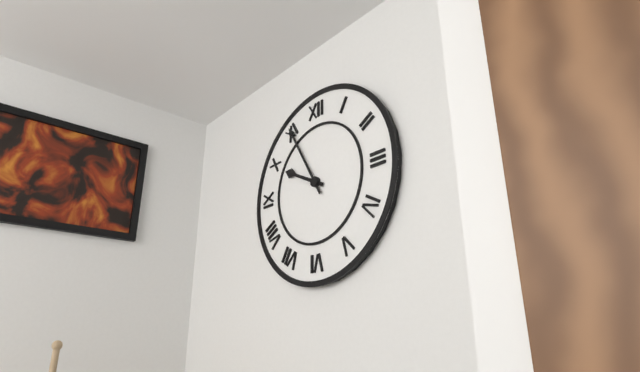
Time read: 9,55
